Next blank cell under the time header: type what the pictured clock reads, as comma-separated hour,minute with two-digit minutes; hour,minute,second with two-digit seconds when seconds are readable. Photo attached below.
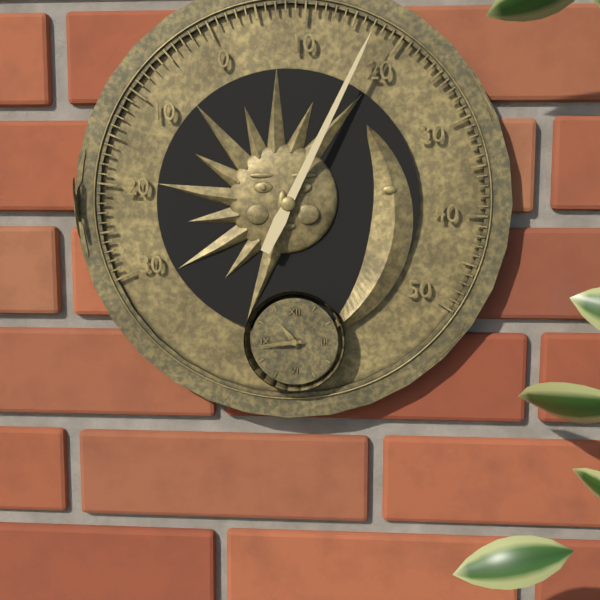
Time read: 10,44
